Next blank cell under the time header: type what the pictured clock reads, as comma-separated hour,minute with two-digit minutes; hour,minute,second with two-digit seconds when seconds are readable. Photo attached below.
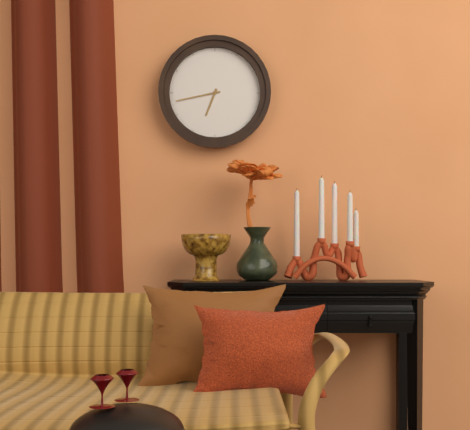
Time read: 6,43
